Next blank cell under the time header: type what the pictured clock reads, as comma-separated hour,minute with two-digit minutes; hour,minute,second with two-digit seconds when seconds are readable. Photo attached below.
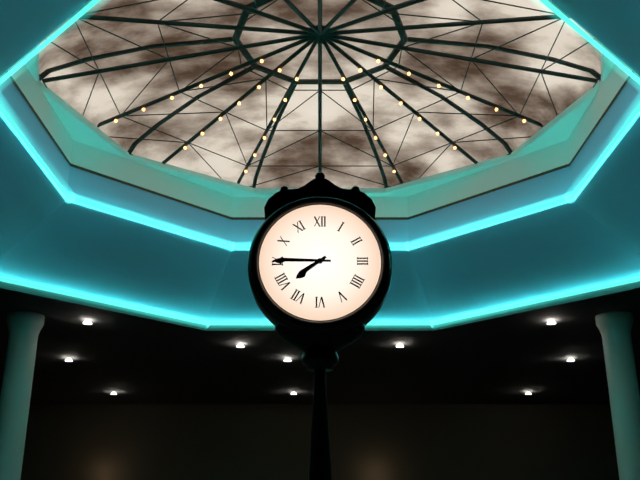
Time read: 7,45
